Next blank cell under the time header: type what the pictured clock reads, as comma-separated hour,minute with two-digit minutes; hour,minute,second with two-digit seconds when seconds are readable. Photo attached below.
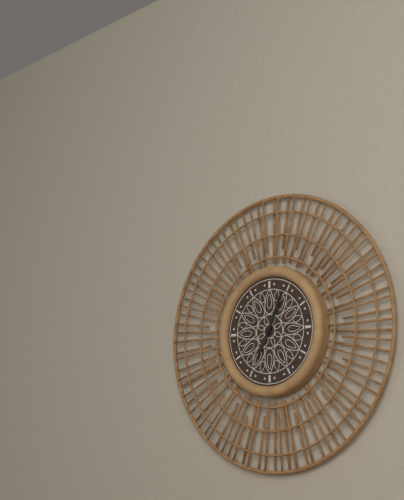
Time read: 7,04
